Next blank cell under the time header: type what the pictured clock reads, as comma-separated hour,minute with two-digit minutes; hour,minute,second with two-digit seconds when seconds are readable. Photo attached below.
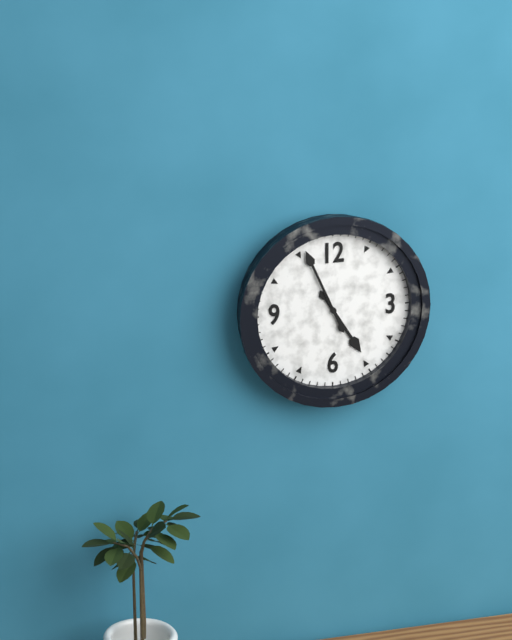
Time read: 4,56
